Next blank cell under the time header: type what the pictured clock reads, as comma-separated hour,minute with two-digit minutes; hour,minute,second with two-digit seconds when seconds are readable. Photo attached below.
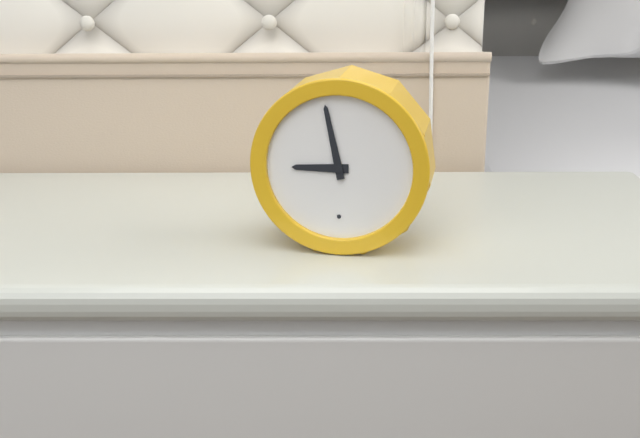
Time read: 8,58
